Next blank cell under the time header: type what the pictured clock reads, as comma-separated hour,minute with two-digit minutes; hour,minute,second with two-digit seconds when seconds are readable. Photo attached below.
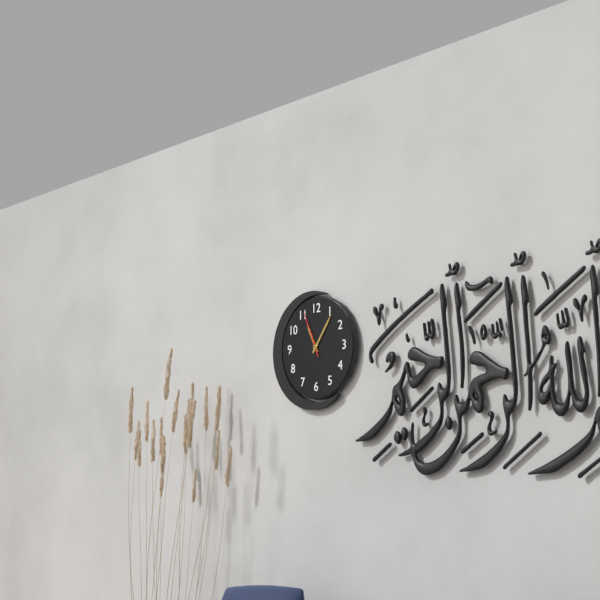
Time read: 11,06,56
